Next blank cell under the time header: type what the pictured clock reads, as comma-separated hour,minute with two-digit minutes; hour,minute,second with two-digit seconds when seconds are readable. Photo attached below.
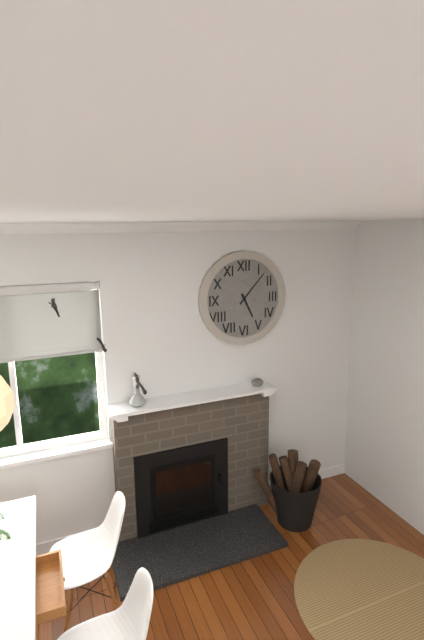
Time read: 5,07
